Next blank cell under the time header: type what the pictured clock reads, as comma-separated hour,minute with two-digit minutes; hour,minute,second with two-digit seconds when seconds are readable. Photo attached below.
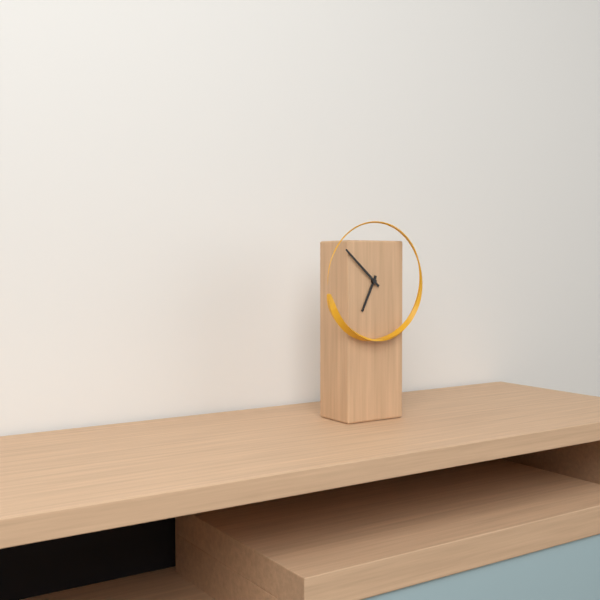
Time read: 6,52
